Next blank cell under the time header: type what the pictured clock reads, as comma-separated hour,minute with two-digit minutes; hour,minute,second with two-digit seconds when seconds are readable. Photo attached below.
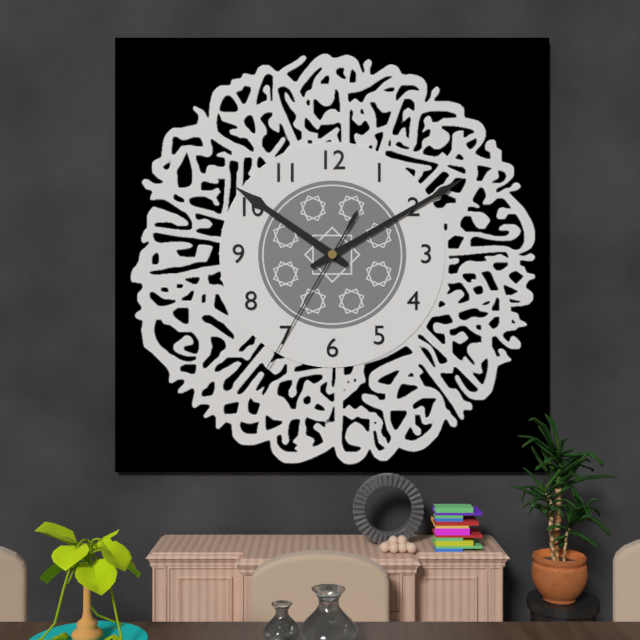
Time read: 10,10,35
